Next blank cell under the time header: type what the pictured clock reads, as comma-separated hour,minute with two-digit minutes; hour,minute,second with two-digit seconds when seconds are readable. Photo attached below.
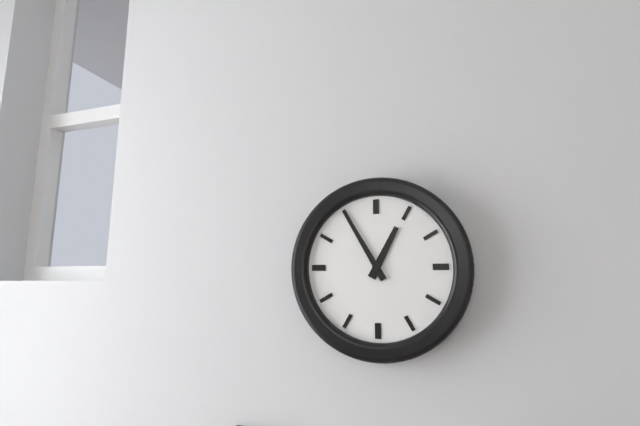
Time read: 12,55
